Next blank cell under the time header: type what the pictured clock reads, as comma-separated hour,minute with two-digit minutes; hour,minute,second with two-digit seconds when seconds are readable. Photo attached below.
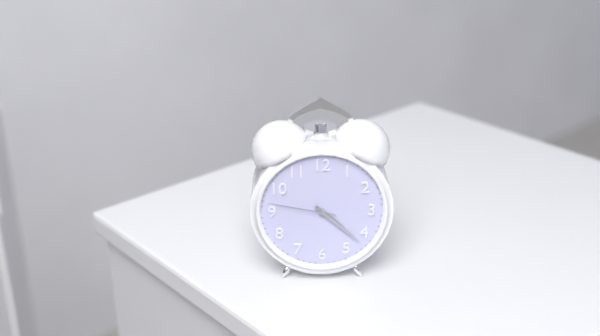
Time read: 4,22,47
